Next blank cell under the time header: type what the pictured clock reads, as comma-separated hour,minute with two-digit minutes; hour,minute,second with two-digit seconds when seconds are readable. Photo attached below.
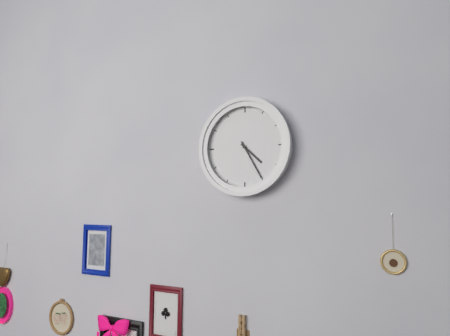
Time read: 4,25
